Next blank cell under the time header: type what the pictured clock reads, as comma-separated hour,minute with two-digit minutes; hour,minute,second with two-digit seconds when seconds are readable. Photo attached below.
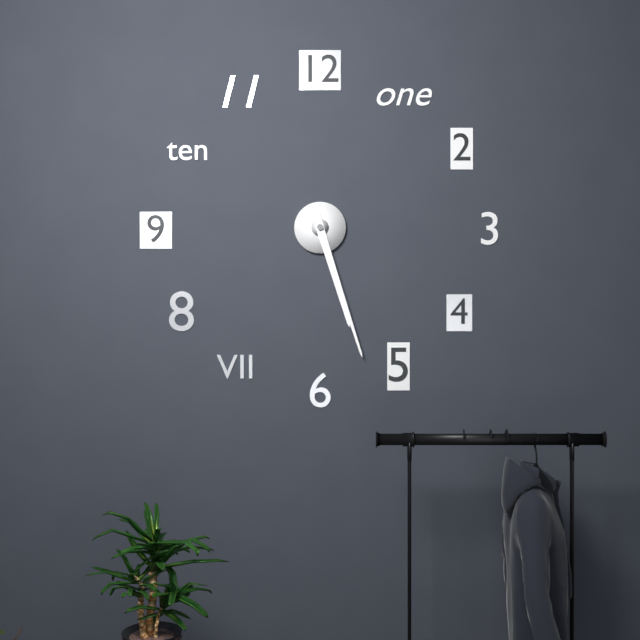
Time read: 5,27
